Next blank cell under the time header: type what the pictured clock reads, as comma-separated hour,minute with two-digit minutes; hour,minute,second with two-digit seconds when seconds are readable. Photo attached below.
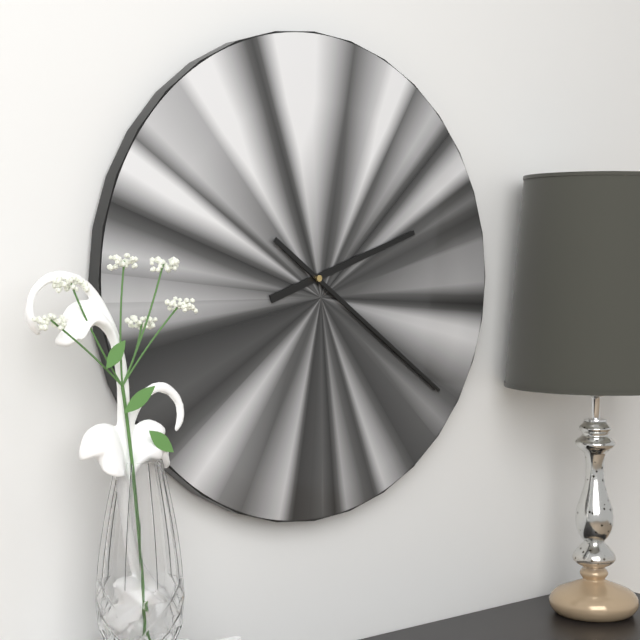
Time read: 2,21
